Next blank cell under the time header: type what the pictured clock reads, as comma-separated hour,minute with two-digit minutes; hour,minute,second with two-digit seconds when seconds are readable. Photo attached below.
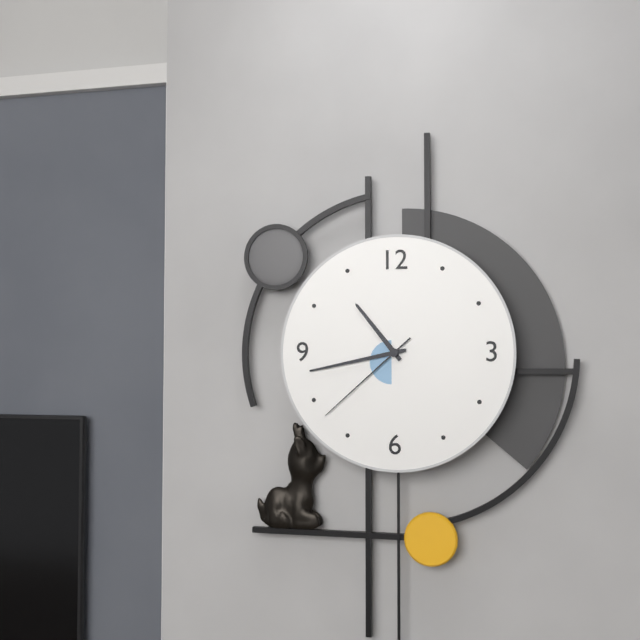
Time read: 10,43,38
